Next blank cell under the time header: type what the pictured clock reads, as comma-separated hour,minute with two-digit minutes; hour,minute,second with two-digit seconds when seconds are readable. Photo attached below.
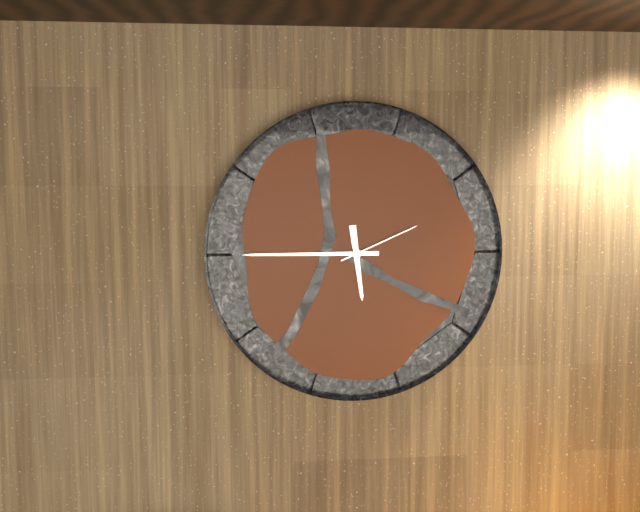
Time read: 5,45,11
